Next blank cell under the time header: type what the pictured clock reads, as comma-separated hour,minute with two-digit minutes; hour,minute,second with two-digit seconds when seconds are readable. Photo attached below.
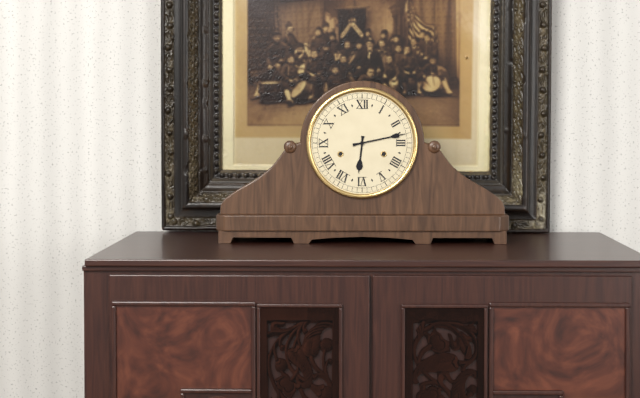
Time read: 6,13
